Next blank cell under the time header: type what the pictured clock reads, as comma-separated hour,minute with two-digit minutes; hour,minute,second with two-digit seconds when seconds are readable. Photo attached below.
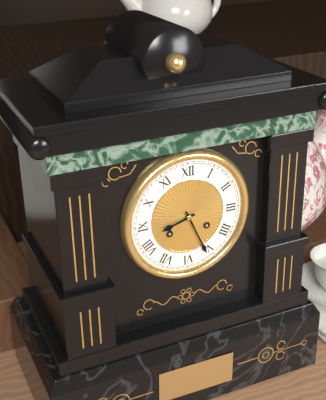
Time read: 8,26
